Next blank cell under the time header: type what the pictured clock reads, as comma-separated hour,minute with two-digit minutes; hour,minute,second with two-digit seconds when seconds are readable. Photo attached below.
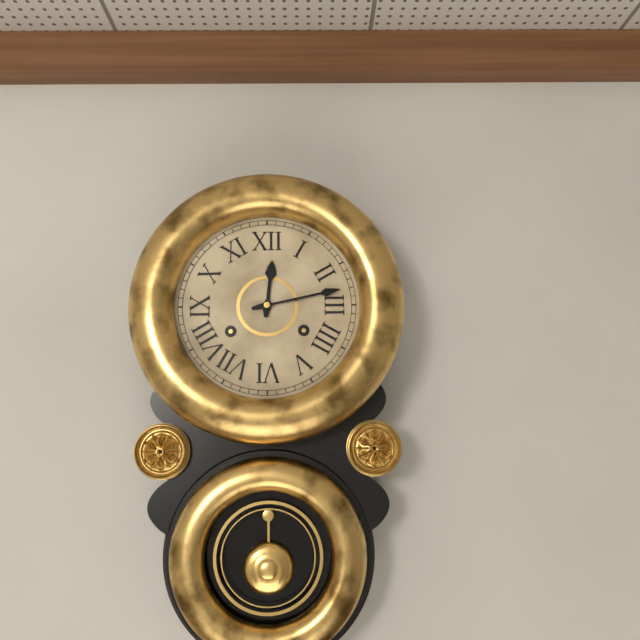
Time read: 12,13
